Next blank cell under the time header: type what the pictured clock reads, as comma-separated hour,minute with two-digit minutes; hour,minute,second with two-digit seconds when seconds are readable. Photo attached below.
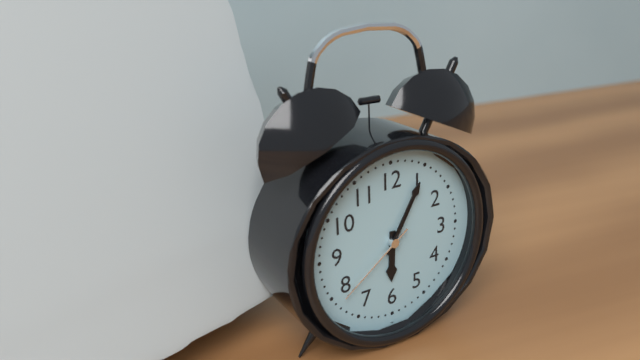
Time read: 6,05,39
